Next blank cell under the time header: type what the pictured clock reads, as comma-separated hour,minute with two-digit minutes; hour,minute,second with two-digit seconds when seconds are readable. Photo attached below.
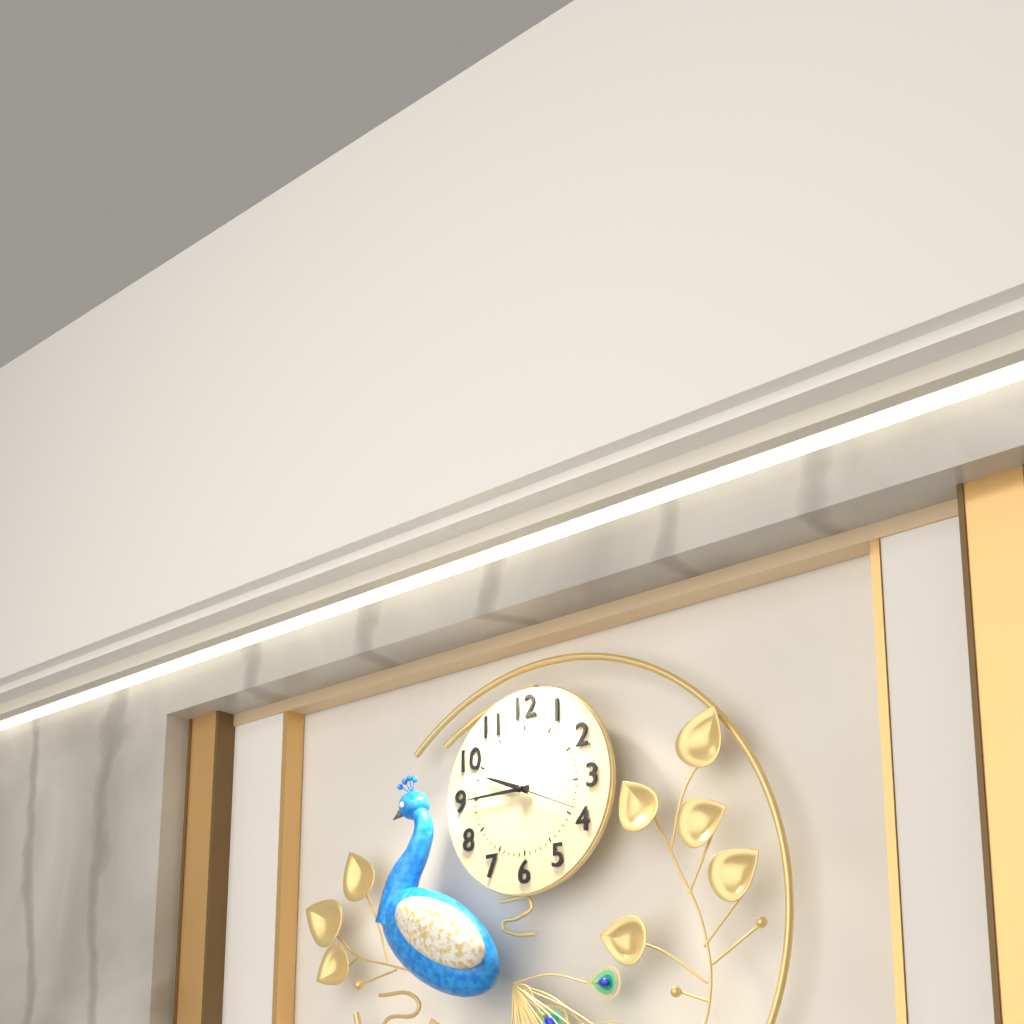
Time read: 9,45,19
